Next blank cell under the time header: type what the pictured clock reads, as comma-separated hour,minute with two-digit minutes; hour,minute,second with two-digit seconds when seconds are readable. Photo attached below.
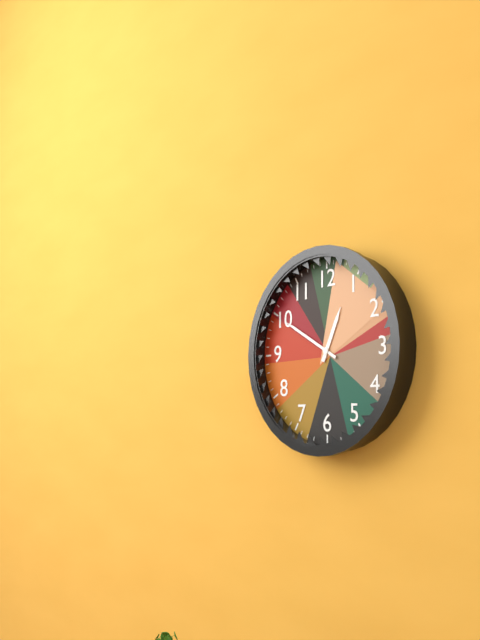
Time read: 12,50
